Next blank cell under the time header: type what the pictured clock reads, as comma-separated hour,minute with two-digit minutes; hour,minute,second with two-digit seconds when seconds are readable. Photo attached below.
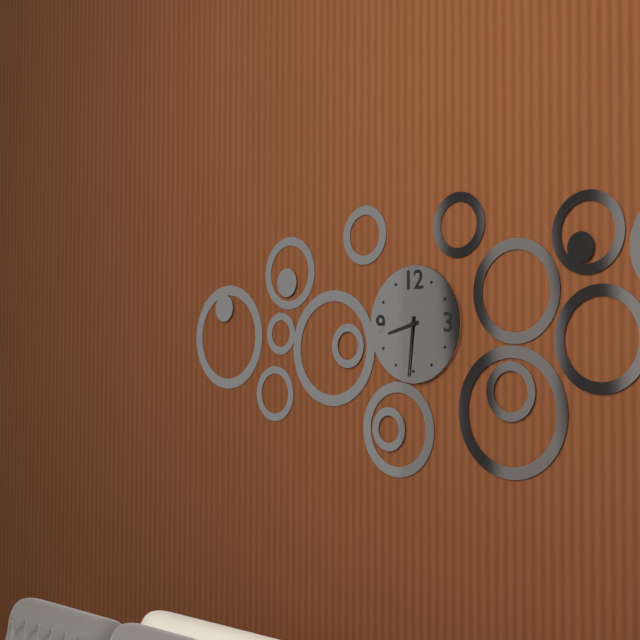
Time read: 8,31
